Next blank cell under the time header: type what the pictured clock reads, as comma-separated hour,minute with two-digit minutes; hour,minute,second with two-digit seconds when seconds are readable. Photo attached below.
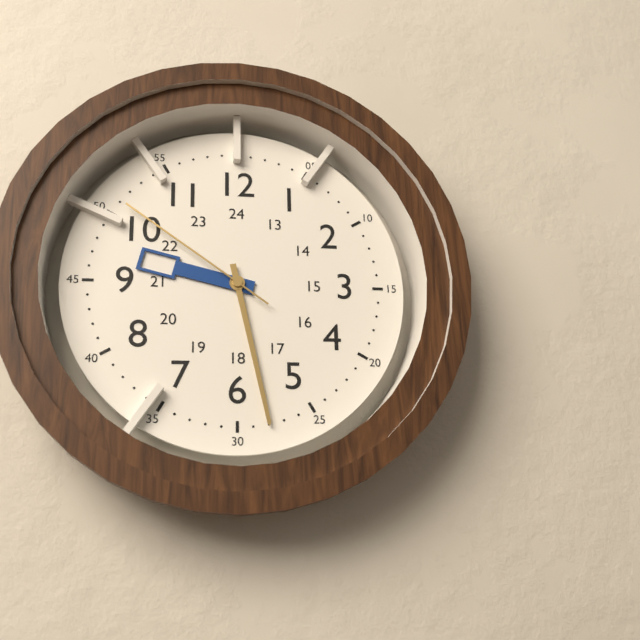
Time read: 9,28,51
